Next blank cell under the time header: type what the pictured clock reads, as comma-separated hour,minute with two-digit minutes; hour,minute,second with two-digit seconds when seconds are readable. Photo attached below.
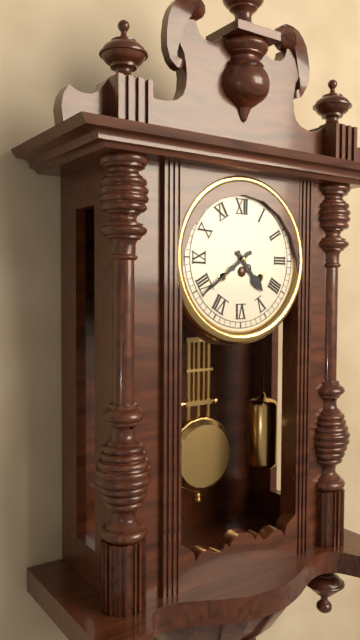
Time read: 4,39
